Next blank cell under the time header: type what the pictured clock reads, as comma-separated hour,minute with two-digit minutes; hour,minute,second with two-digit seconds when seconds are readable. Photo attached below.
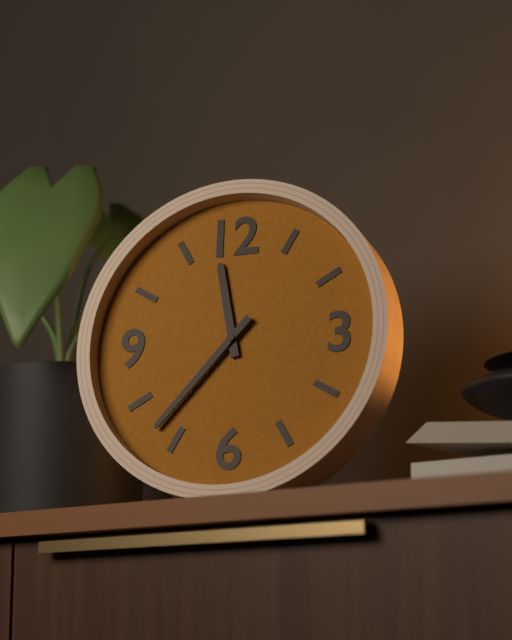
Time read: 11,37
